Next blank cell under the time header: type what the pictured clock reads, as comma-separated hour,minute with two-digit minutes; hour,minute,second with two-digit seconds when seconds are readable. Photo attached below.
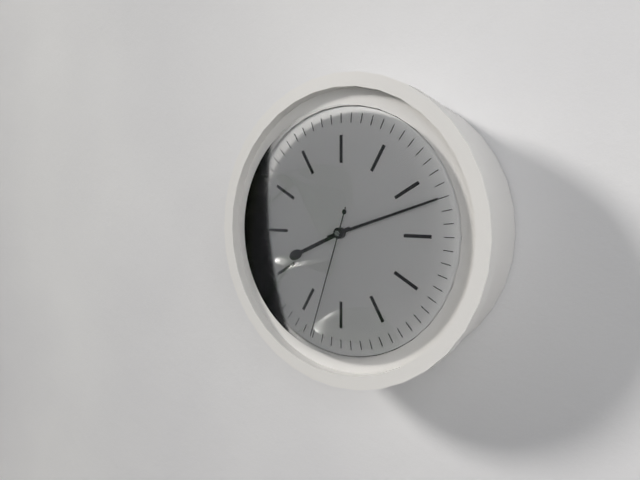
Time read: 8,12,33
